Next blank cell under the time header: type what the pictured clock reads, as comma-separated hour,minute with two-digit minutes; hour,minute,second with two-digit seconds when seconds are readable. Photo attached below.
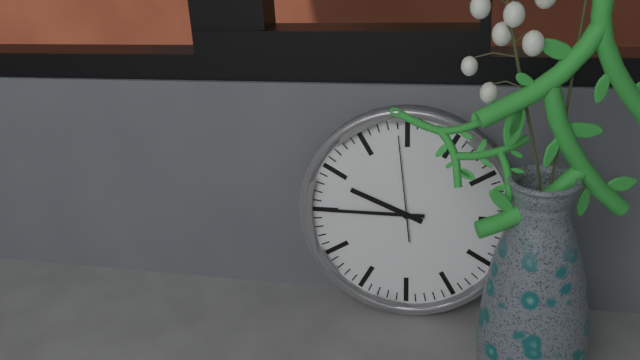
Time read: 9,45,59
